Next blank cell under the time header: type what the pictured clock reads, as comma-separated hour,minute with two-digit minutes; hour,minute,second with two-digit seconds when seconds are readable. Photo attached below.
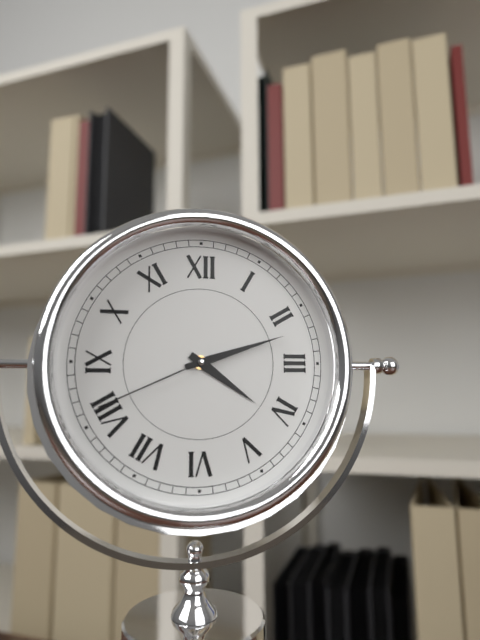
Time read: 4,12,41
